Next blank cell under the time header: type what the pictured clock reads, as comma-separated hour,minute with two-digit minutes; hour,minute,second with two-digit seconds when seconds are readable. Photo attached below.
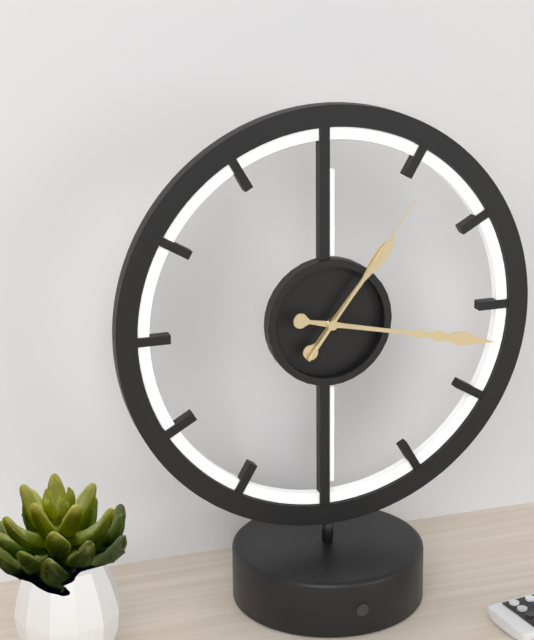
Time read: 1,17,06
